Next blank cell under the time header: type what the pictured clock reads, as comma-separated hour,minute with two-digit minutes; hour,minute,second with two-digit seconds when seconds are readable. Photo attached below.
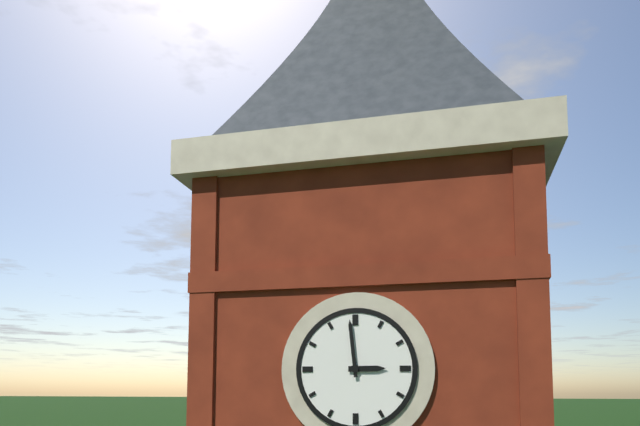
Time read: 2,59
